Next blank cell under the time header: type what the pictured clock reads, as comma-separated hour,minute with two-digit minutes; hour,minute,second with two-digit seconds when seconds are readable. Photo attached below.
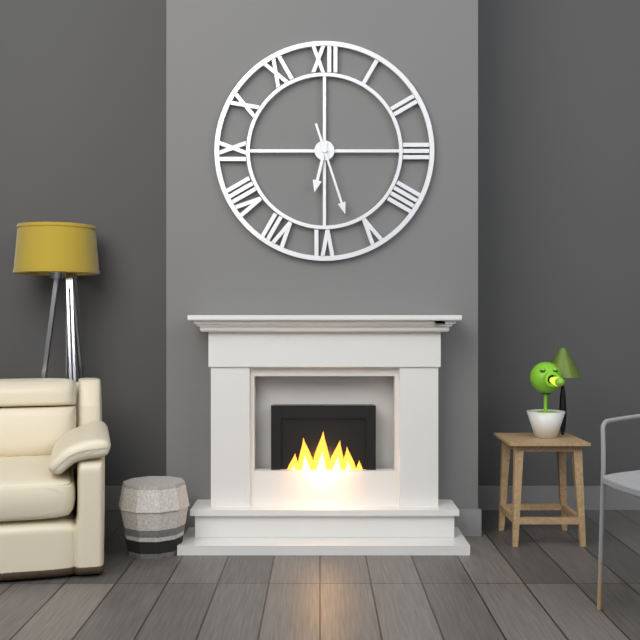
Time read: 6,27
